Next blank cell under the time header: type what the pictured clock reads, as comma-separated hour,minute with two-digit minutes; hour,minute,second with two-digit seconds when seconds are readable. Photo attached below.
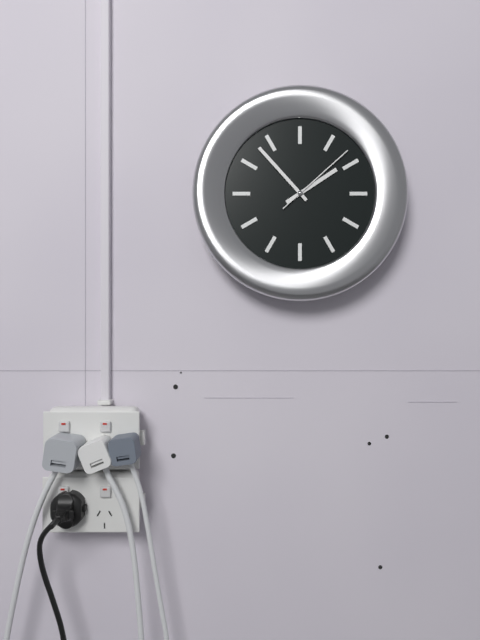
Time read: 1,53,08
